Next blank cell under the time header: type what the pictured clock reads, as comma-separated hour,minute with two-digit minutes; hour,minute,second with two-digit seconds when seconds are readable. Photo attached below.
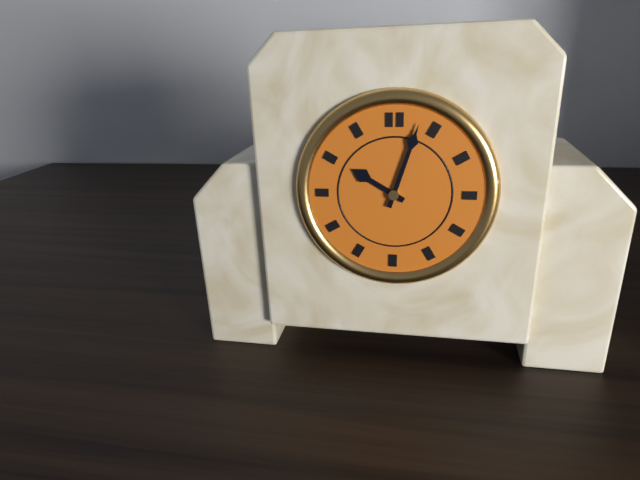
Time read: 10,03
